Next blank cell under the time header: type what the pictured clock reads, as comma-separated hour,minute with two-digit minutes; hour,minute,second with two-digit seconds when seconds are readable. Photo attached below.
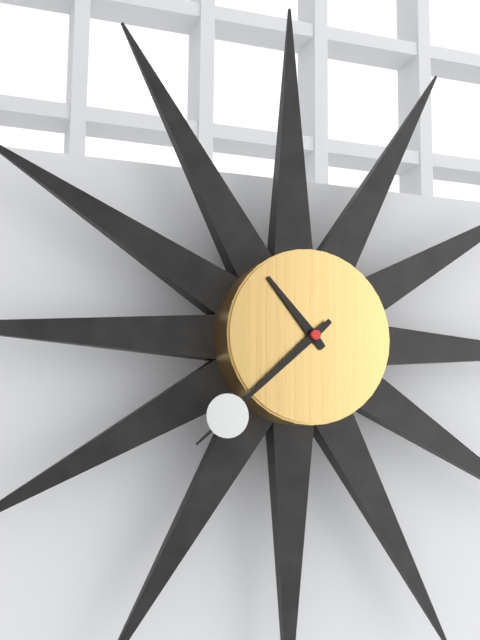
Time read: 10,38
